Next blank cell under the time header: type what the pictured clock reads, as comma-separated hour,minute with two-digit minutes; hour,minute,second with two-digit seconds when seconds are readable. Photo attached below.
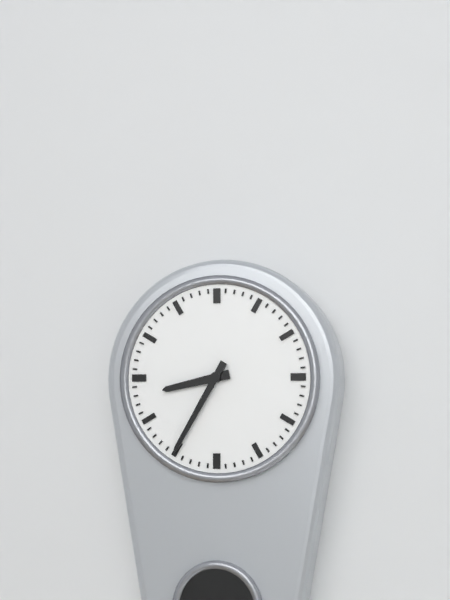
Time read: 8,35
